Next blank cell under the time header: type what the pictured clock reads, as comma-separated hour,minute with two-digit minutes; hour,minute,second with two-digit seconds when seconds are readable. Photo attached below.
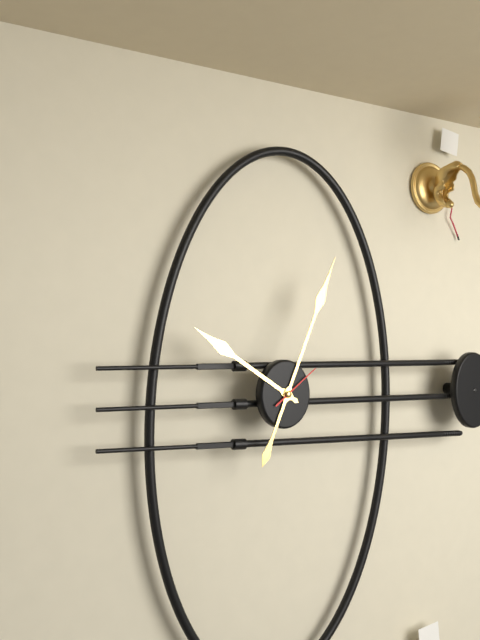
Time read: 10,04
